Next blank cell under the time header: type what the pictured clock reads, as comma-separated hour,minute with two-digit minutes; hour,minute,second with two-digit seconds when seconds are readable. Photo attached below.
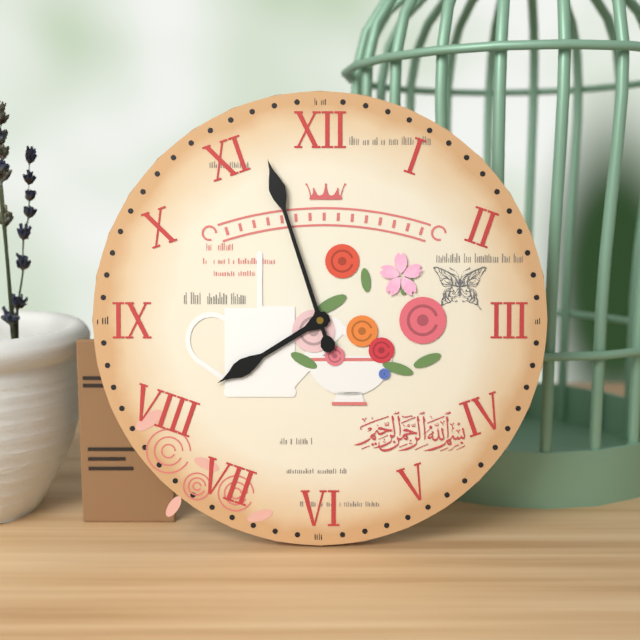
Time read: 7,57
